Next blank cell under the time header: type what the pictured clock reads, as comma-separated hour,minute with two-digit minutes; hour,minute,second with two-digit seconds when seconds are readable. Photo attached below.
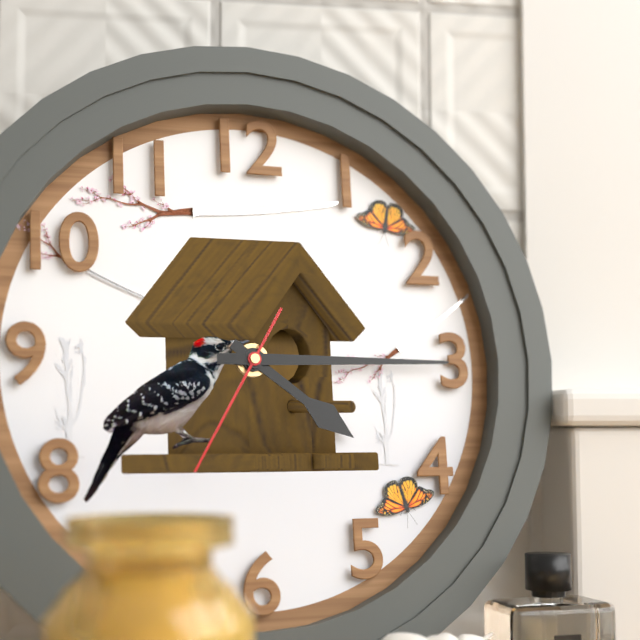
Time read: 4,15,35
